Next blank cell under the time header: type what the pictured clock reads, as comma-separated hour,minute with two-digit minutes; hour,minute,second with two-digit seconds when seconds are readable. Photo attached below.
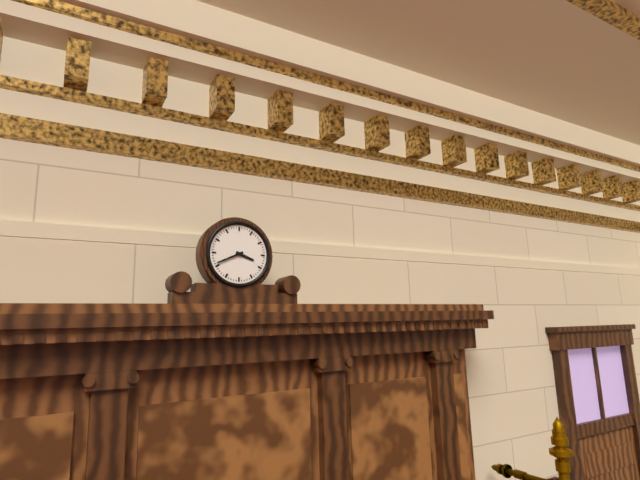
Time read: 3,41
